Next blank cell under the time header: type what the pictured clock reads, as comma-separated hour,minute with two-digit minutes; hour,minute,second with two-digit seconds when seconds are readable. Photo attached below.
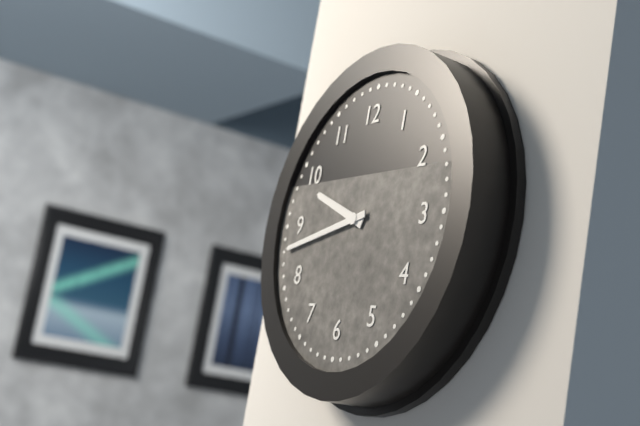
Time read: 9,43
